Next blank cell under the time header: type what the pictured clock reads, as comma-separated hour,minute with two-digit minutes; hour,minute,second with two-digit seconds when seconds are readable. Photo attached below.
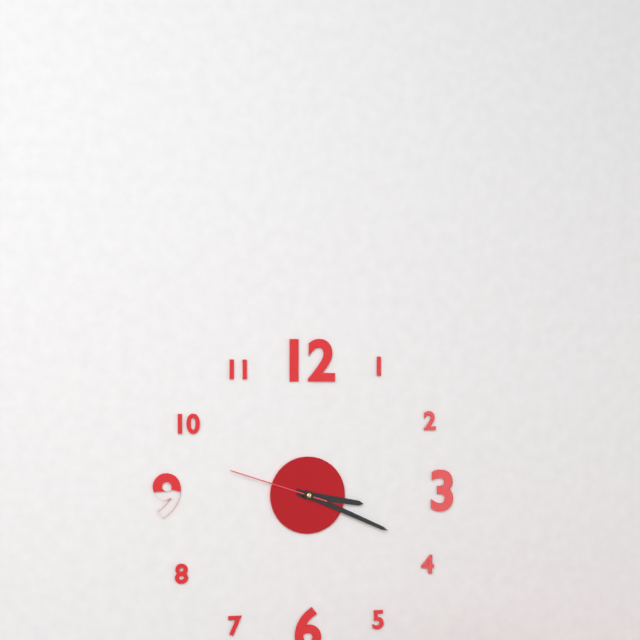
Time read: 3,19,48
